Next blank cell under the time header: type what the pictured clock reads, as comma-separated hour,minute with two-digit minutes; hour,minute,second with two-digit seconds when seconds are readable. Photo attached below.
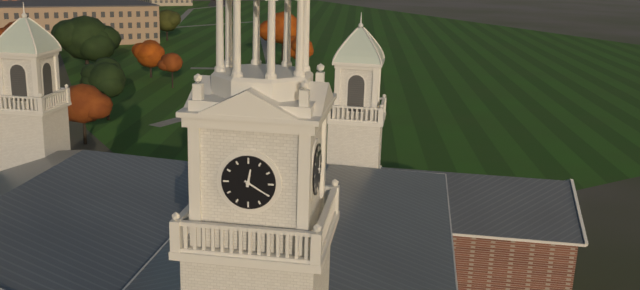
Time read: 12,20
